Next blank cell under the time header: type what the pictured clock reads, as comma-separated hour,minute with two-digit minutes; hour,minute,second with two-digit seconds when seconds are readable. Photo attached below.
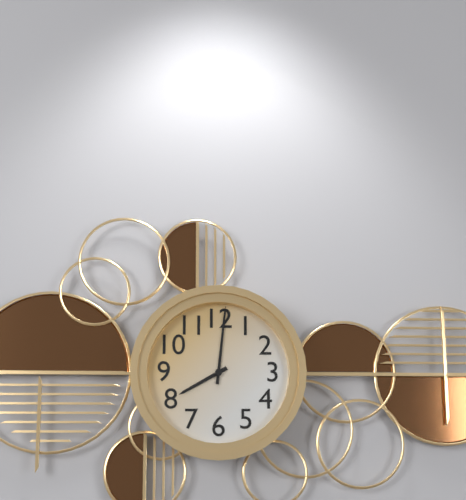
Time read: 8,01
